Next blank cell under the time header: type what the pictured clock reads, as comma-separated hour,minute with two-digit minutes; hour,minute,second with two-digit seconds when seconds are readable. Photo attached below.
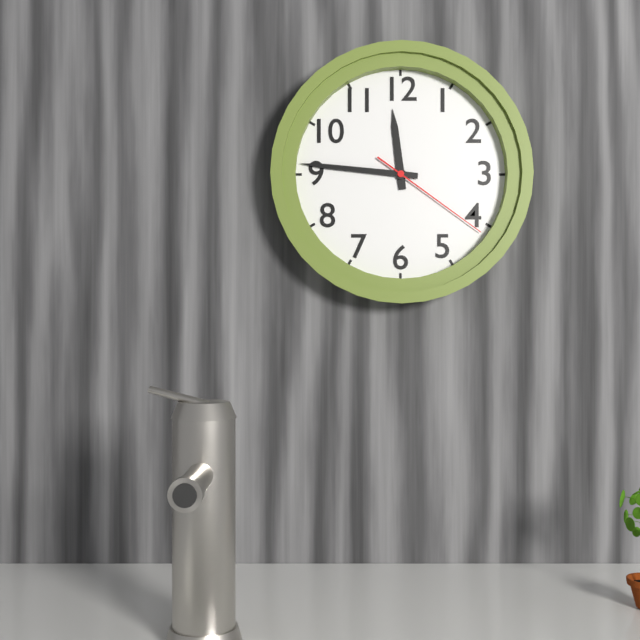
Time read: 11,46,21
